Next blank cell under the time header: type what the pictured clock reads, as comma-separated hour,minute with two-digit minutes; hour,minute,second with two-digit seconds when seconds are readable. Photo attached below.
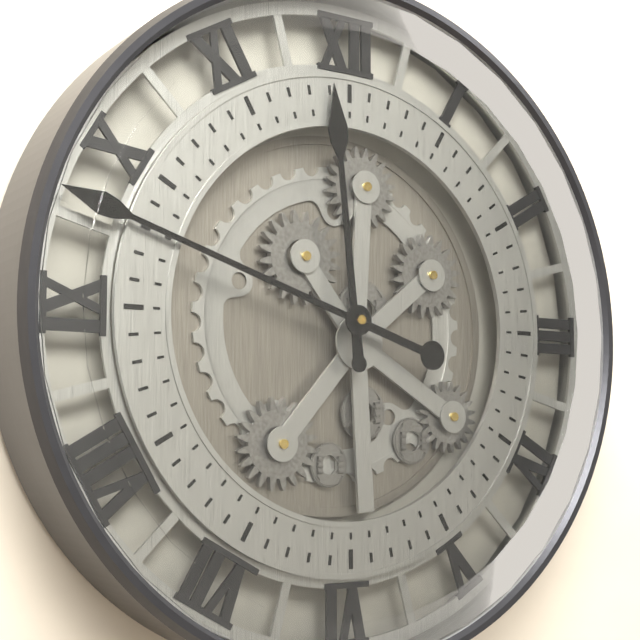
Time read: 11,48
